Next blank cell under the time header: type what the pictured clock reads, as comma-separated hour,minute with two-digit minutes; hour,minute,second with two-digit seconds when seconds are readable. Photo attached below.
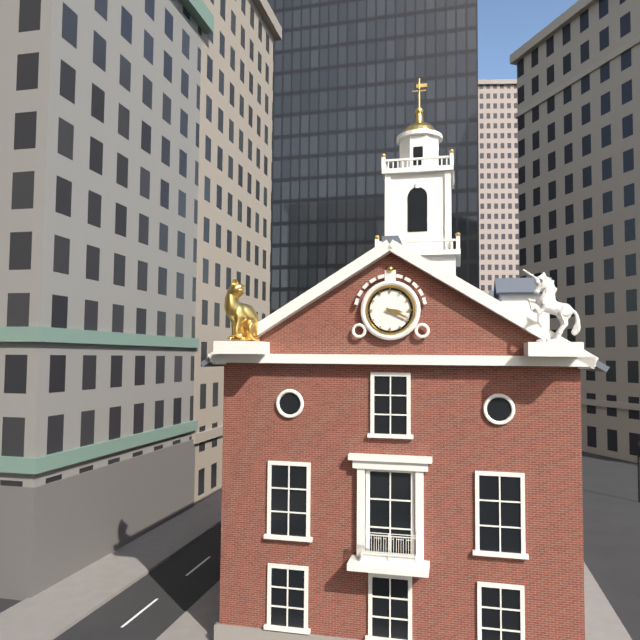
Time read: 3,19
